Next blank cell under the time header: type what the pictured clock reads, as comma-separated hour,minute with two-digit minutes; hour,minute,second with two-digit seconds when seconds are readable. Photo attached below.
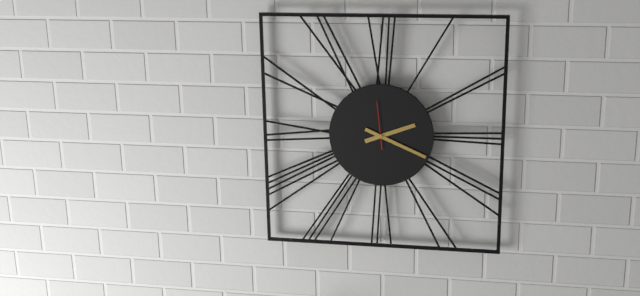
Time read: 2,19
